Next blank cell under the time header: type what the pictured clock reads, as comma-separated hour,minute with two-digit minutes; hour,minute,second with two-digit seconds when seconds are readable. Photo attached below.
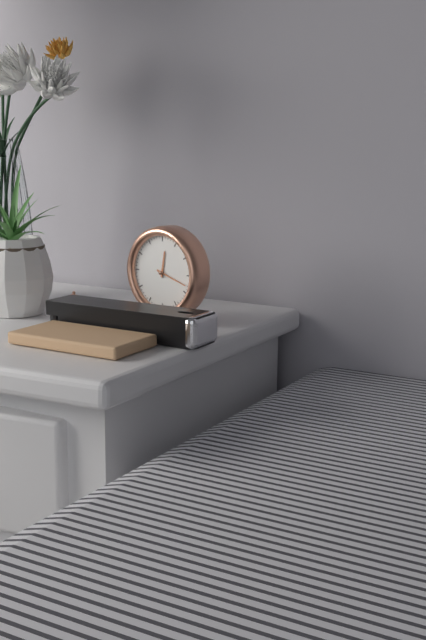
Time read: 12,18
